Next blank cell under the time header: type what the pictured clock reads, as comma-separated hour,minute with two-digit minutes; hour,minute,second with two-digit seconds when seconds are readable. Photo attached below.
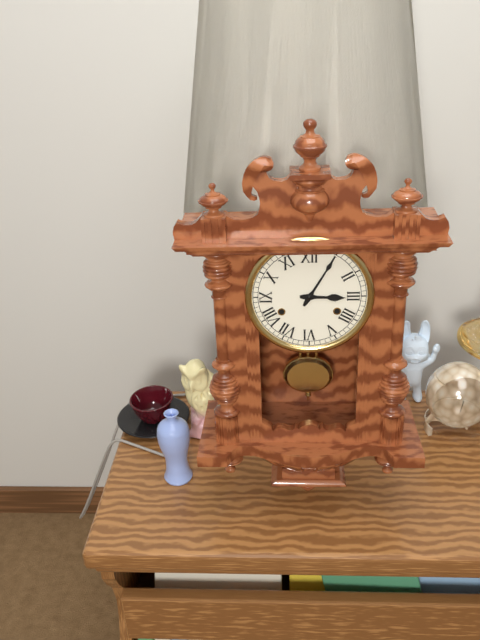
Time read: 3,05
